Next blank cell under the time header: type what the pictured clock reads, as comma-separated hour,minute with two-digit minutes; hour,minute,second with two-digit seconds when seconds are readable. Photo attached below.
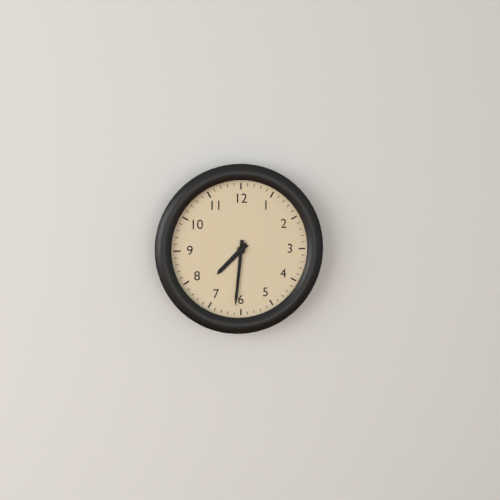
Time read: 7,31
